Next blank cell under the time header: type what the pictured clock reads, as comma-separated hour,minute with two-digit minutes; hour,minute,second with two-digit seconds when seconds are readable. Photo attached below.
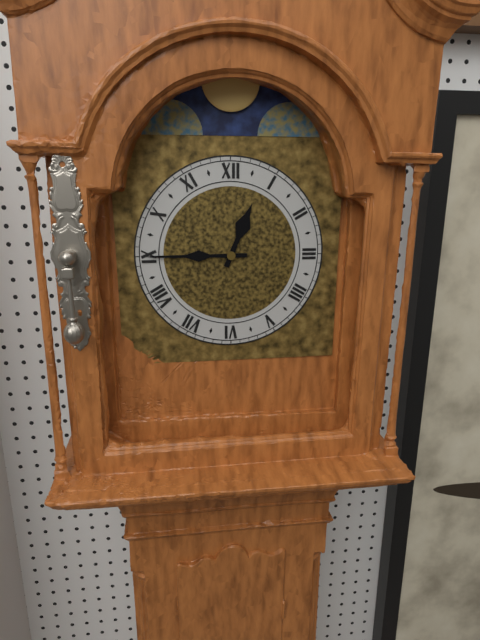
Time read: 12,45
